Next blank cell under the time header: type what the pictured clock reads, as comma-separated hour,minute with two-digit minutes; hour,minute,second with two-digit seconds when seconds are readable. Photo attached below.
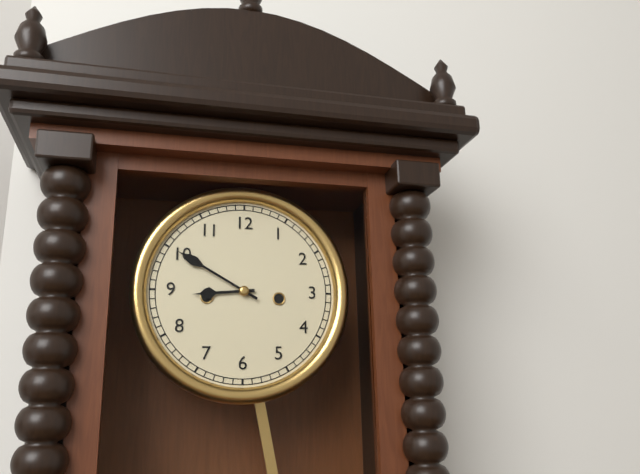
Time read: 8,50
